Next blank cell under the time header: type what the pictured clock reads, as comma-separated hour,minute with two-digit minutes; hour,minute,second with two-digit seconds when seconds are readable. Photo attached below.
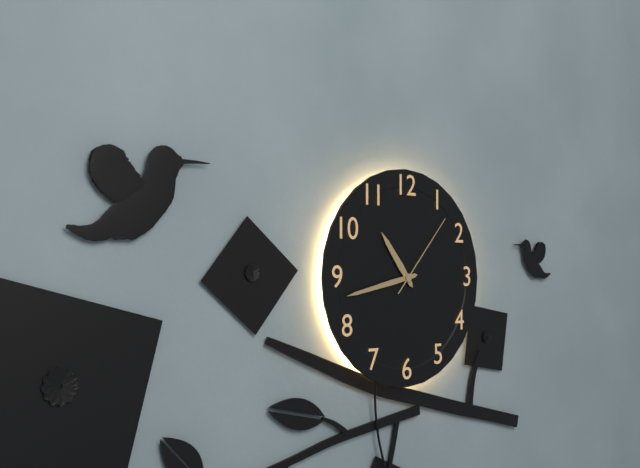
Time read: 10,43,07
